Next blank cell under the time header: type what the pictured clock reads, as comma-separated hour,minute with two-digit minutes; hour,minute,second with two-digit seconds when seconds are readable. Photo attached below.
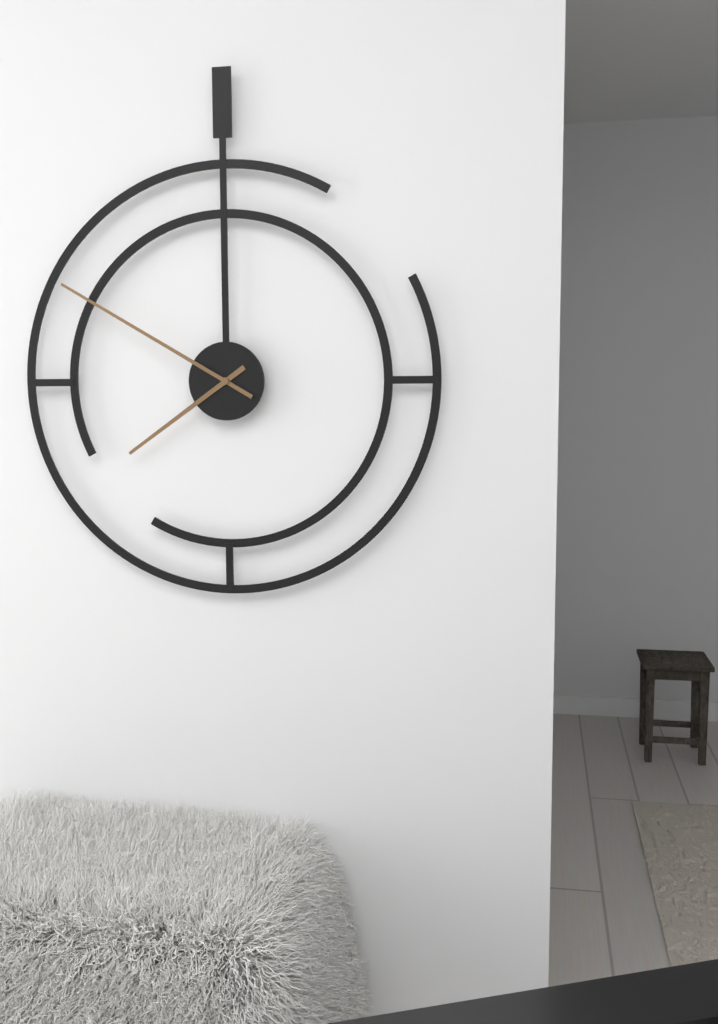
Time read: 7,50
